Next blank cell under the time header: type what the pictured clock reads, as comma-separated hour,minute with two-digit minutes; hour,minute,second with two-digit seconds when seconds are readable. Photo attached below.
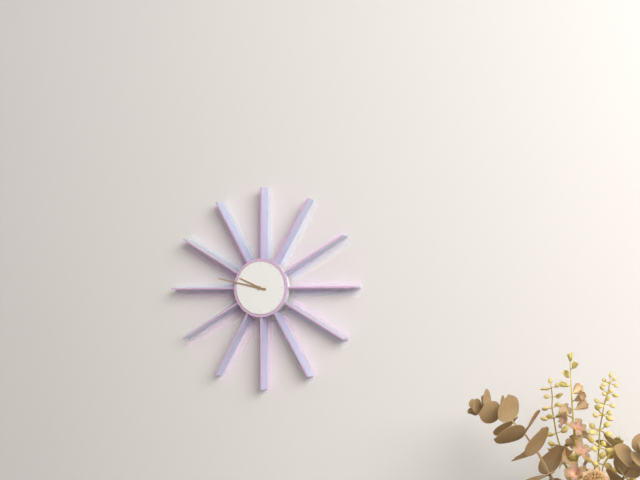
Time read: 9,47
